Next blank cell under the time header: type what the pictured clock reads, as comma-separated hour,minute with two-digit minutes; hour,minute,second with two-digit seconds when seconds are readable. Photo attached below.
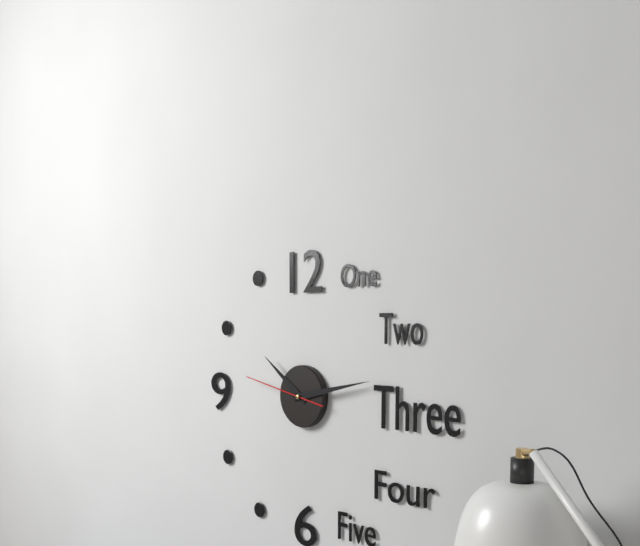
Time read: 10,13,47
